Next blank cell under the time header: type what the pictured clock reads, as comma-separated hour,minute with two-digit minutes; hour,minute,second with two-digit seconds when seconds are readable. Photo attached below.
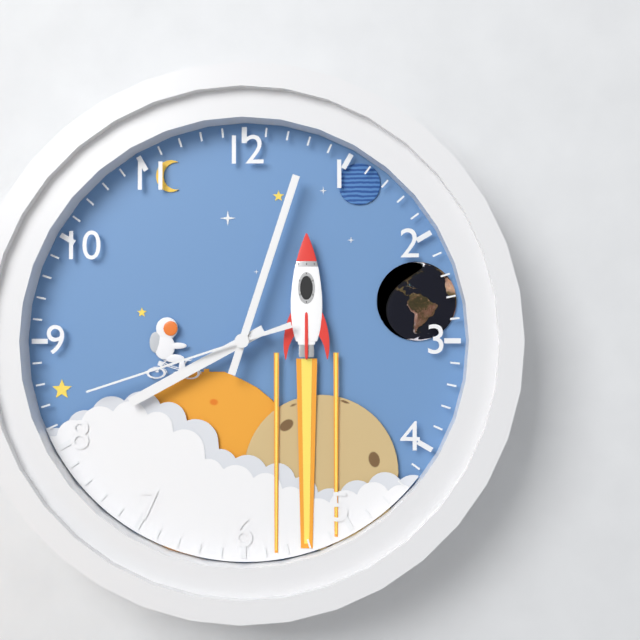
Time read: 8,03,42
